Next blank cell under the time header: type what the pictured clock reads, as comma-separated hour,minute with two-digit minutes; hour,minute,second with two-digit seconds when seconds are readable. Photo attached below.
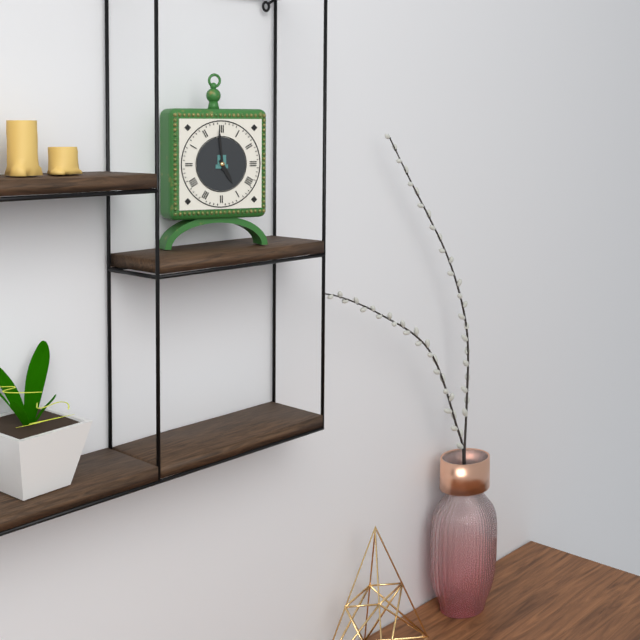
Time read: 4,59
